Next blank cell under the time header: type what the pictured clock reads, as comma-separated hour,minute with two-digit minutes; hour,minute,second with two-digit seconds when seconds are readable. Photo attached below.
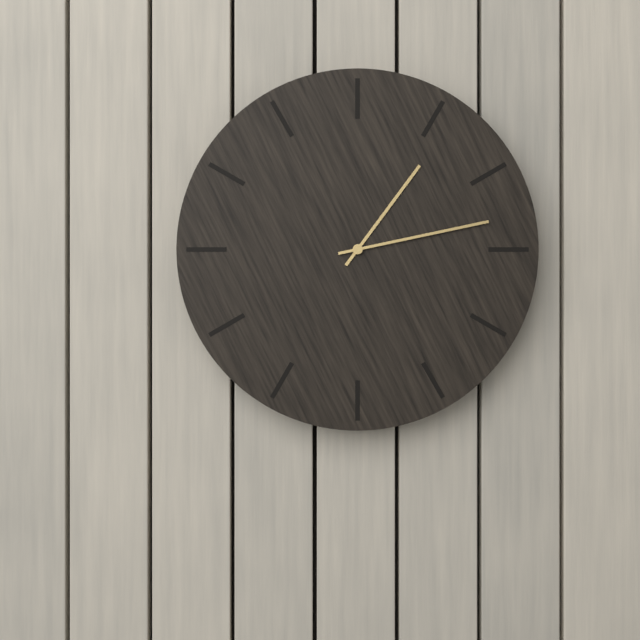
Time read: 1,13
